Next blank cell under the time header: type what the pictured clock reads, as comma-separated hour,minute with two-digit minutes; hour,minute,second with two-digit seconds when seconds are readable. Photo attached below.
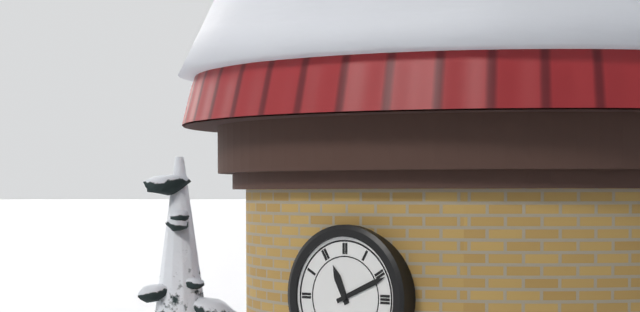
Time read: 11,11
